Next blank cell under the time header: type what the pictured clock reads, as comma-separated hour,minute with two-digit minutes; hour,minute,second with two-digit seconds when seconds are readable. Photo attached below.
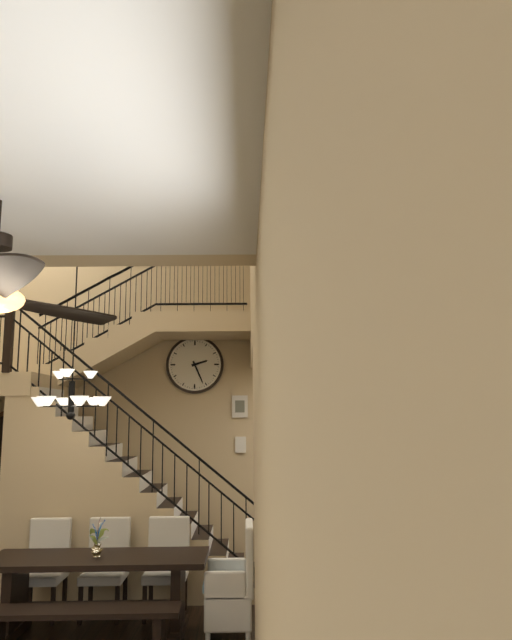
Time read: 2,26
